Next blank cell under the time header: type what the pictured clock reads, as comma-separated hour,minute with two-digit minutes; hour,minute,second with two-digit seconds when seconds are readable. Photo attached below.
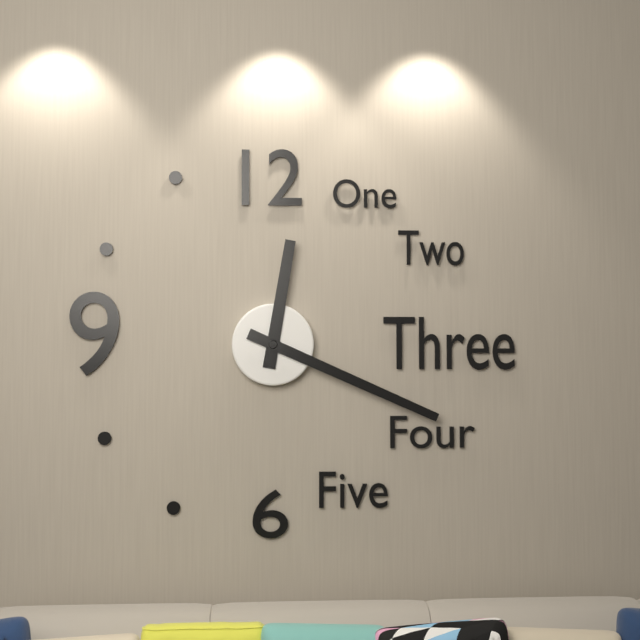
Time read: 12,19
